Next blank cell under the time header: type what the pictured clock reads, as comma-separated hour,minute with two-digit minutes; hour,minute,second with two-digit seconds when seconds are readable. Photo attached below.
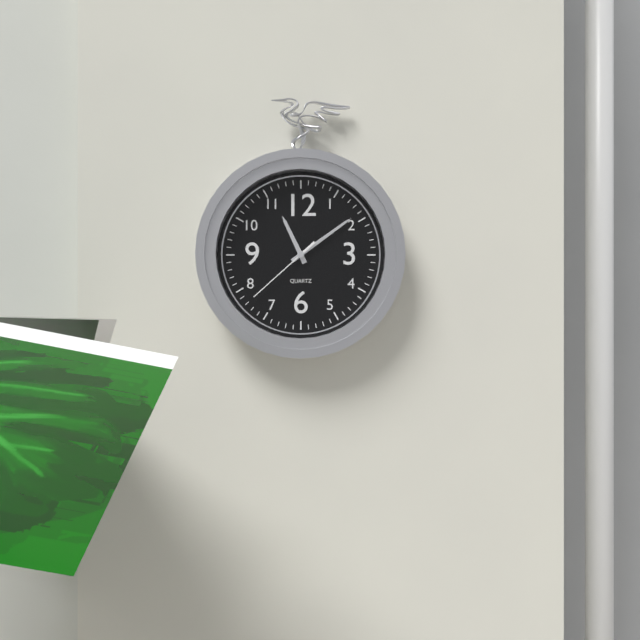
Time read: 11,09,38
